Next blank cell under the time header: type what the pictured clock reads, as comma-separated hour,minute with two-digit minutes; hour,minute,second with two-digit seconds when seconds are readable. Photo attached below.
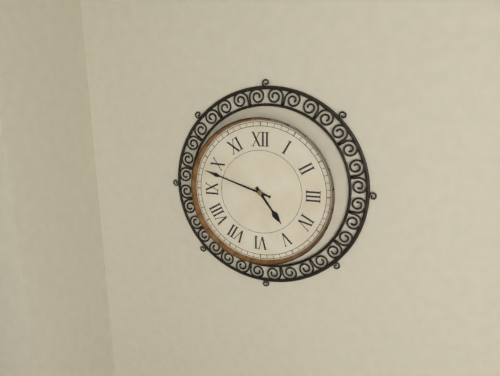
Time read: 4,48
